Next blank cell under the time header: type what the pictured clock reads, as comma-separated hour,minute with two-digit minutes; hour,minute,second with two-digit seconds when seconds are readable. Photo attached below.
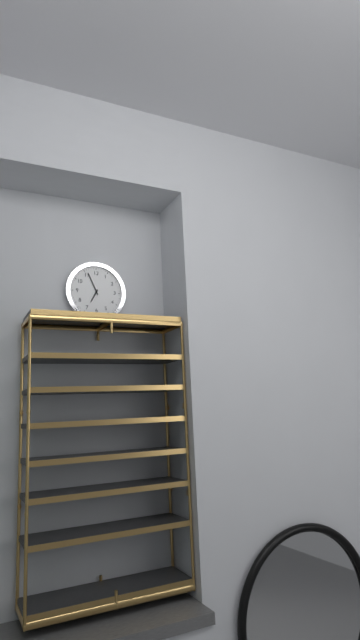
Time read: 6,56
